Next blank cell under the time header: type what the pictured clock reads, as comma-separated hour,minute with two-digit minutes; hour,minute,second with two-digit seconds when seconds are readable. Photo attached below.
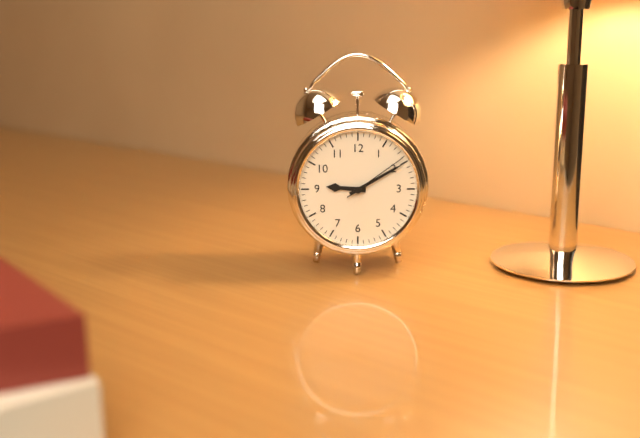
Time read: 9,10,09
